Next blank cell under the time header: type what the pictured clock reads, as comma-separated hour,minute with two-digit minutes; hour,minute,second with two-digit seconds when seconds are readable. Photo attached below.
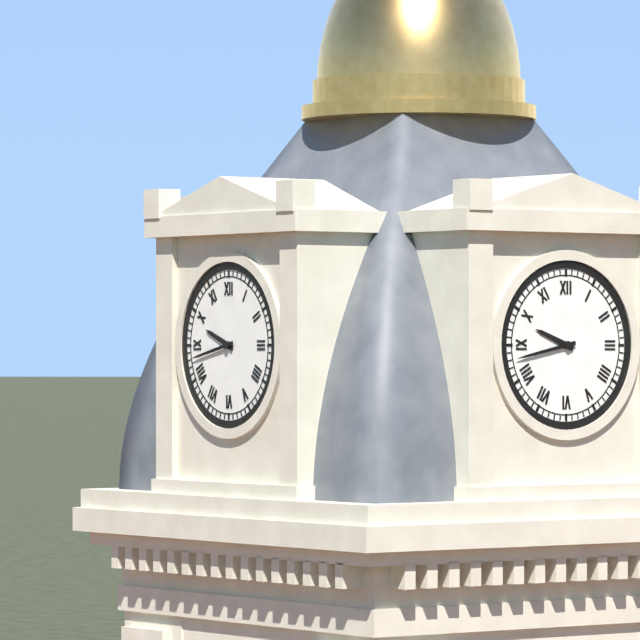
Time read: 9,43
